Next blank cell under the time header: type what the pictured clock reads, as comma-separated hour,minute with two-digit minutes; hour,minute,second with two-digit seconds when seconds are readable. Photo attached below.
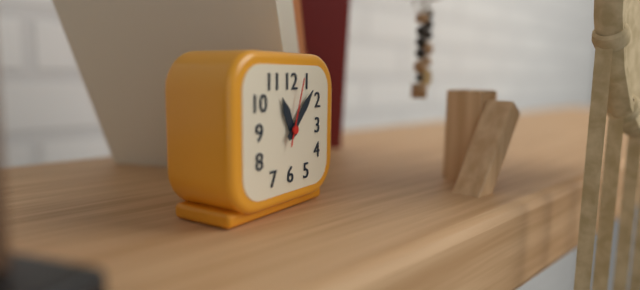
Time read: 11,07,03
